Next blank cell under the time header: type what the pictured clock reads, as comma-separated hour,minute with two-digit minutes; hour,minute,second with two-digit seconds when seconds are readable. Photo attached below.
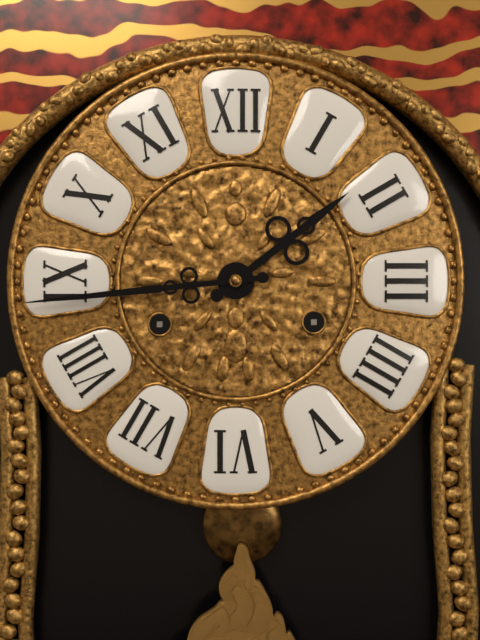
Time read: 1,44
